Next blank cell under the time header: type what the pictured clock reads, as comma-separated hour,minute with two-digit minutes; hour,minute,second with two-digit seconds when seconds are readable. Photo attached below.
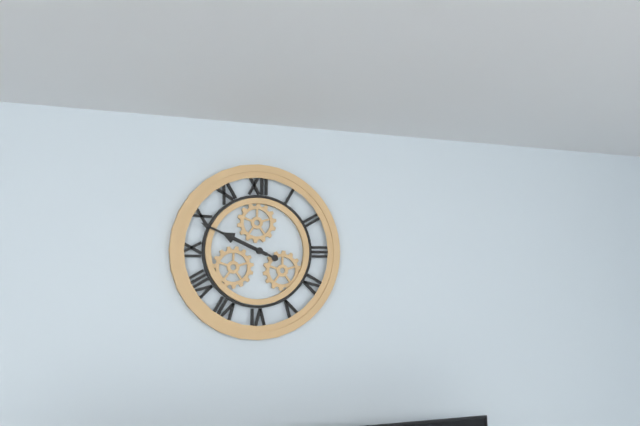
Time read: 9,49
